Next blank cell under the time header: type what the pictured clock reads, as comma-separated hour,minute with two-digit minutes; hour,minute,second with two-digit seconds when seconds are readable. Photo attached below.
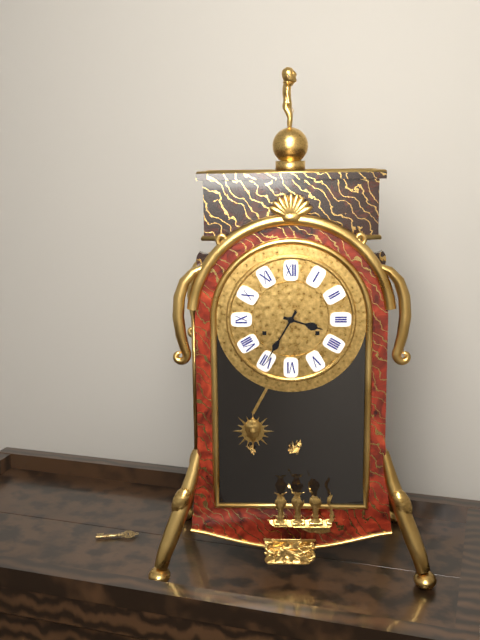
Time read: 3,35
